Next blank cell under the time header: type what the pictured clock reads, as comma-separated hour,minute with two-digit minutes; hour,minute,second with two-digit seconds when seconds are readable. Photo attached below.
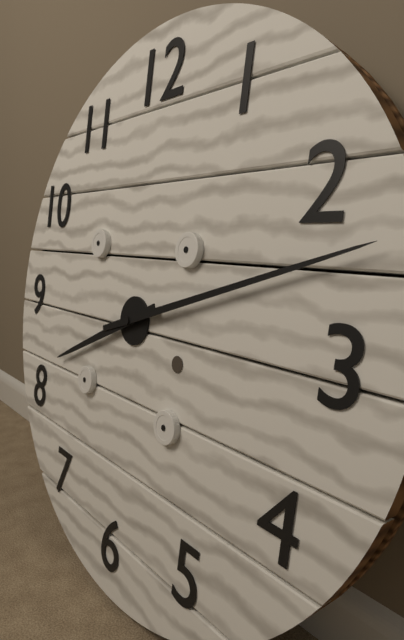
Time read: 8,12
